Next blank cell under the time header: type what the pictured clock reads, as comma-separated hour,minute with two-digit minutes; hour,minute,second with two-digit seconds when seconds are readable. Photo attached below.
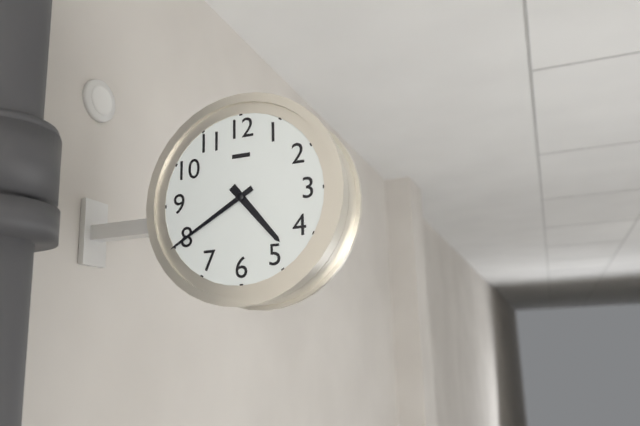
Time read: 4,40
